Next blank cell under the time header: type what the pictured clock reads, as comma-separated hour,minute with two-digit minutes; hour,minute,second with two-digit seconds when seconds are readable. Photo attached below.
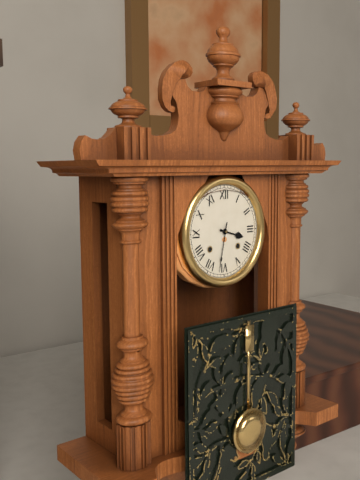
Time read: 3,32
